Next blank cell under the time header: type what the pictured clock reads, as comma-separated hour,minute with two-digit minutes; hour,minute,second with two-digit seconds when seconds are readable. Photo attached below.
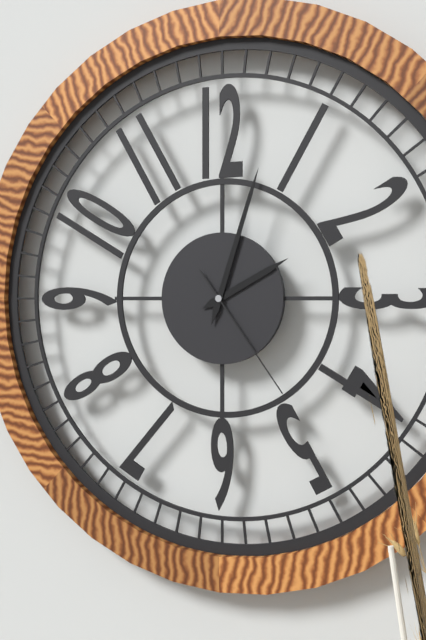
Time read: 2,03,24
